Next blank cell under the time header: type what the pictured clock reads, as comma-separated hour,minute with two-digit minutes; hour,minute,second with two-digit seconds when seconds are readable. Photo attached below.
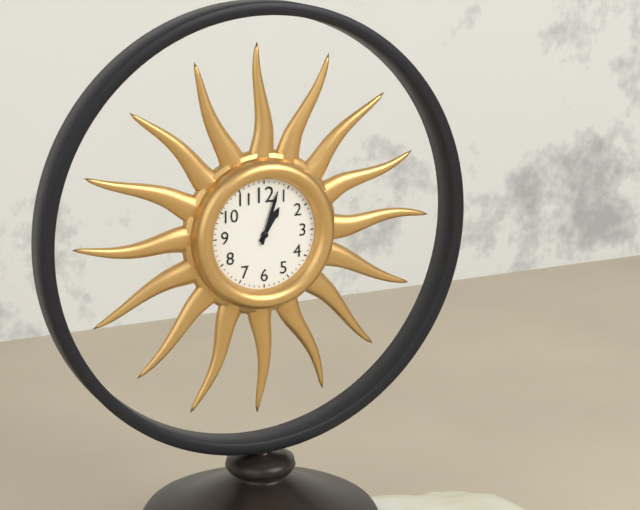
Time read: 1,03
